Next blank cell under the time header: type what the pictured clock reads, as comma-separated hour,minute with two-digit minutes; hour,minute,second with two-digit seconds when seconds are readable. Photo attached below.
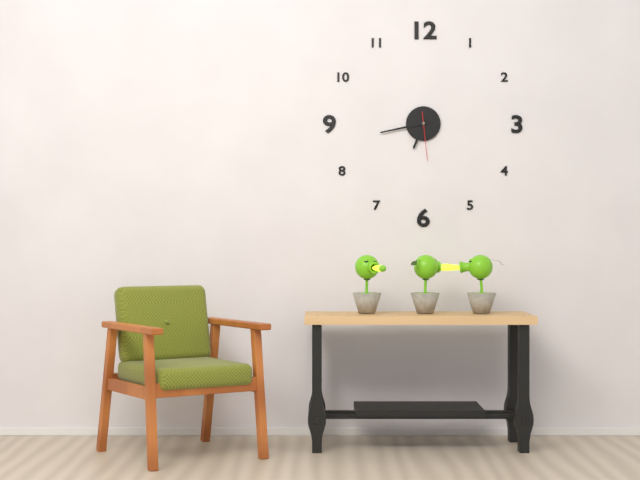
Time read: 6,43
